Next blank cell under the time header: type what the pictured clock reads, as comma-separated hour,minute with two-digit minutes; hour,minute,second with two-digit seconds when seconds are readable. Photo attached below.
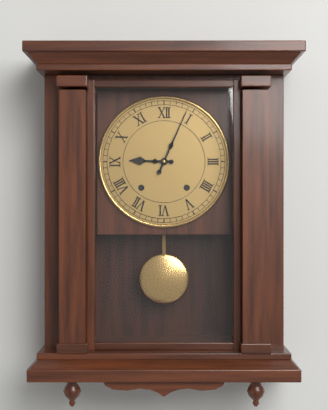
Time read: 9,04
